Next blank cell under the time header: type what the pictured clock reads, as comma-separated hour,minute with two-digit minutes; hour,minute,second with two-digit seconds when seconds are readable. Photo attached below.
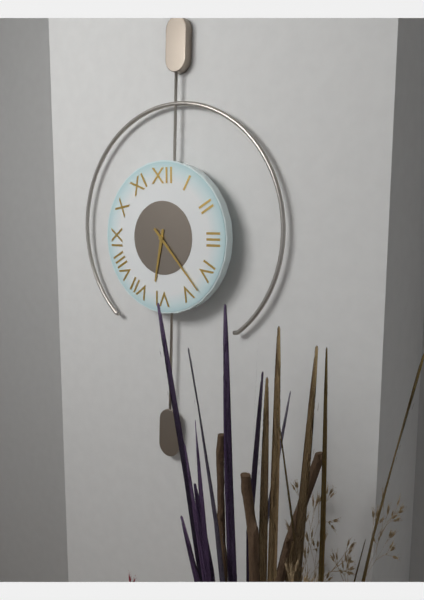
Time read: 6,23
